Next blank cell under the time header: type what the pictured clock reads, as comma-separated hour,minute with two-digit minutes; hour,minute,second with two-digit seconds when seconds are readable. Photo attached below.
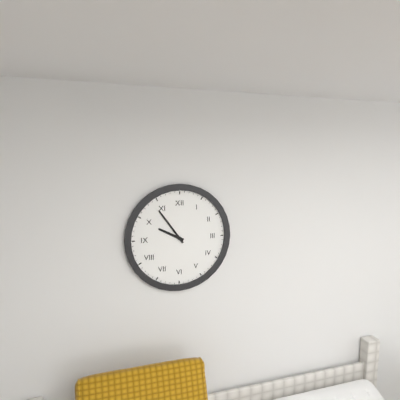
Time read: 9,54
